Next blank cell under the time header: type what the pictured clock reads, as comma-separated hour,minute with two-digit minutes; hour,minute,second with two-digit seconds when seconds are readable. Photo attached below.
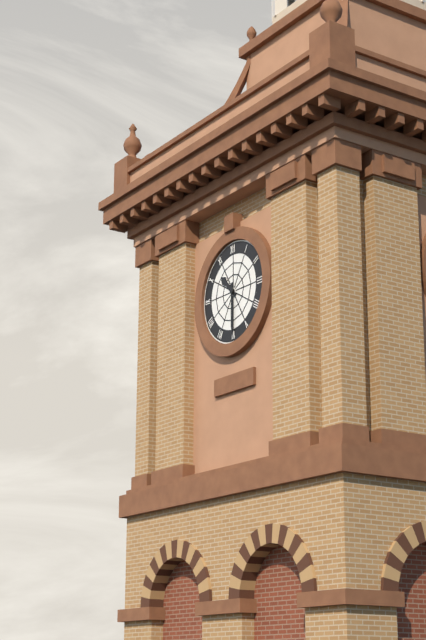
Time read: 10,30
